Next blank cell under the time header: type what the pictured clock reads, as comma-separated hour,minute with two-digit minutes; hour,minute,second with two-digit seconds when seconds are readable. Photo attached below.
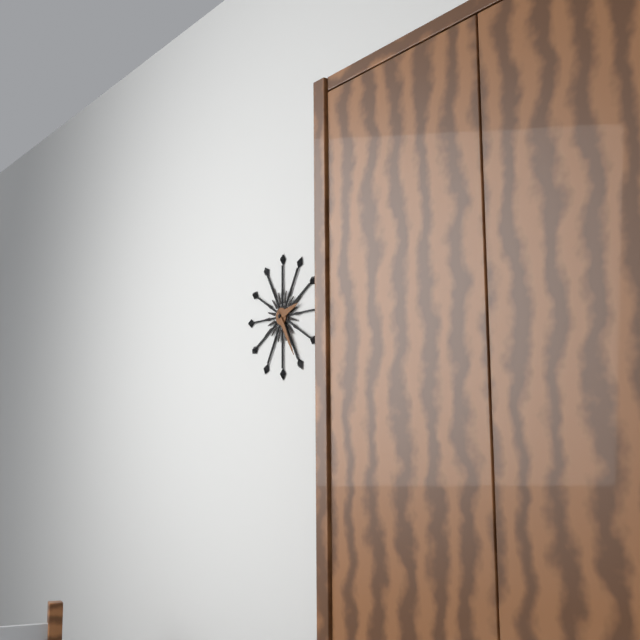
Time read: 2,25
